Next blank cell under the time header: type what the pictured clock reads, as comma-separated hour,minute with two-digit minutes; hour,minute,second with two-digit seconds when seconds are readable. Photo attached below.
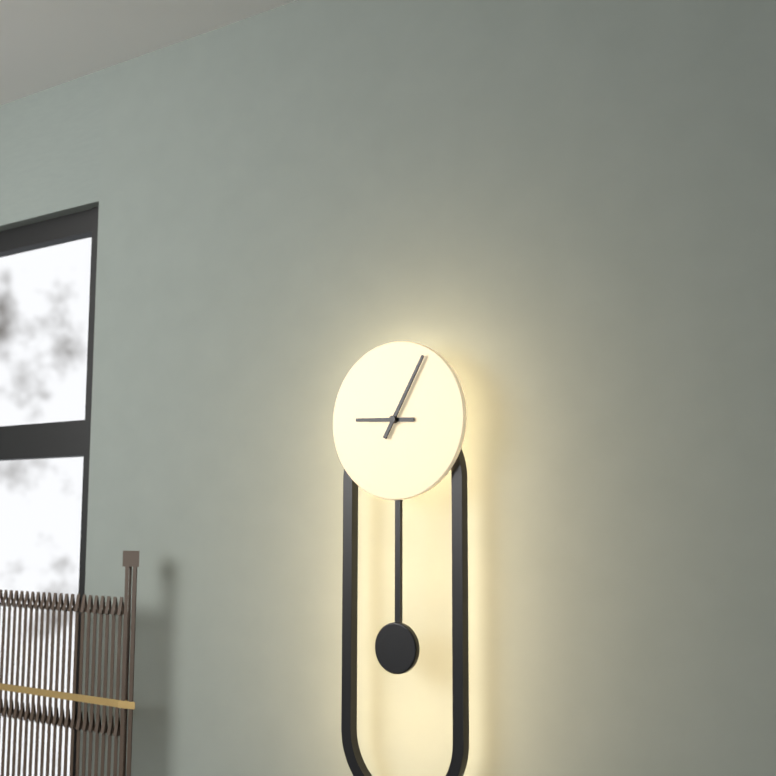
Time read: 9,05
